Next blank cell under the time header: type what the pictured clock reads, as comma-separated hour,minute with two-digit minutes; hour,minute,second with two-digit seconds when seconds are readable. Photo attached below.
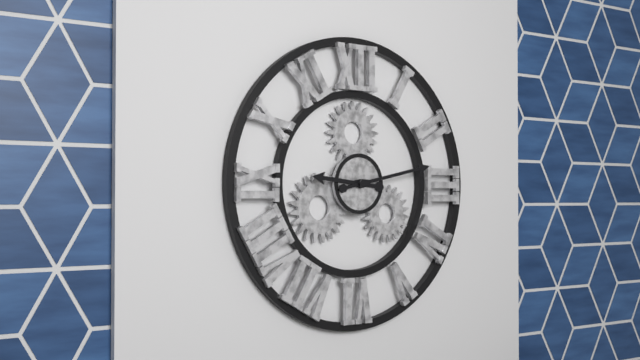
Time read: 9,13
